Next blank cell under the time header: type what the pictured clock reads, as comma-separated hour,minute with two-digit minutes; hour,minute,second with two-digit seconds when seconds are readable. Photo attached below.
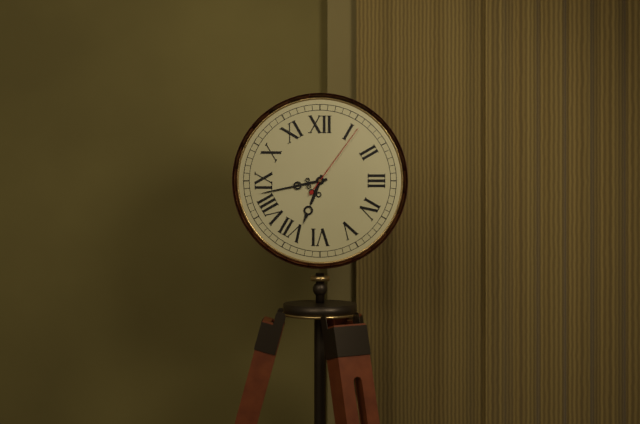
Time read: 6,43,06
